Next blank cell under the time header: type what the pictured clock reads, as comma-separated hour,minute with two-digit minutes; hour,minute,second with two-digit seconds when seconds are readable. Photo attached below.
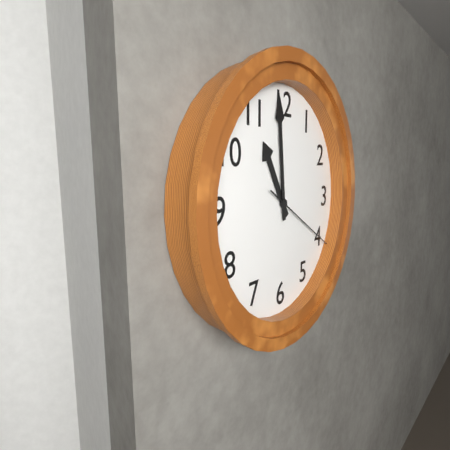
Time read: 10,59,20
